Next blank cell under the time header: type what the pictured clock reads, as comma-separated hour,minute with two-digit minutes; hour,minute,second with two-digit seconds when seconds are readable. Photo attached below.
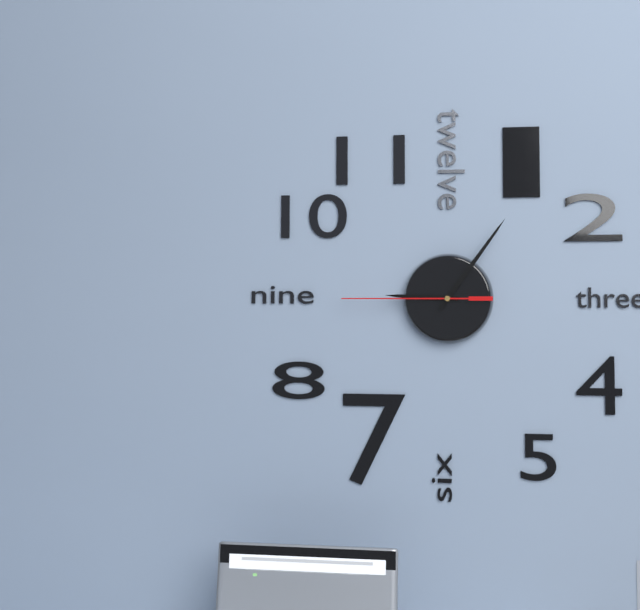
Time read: 9,06,45
